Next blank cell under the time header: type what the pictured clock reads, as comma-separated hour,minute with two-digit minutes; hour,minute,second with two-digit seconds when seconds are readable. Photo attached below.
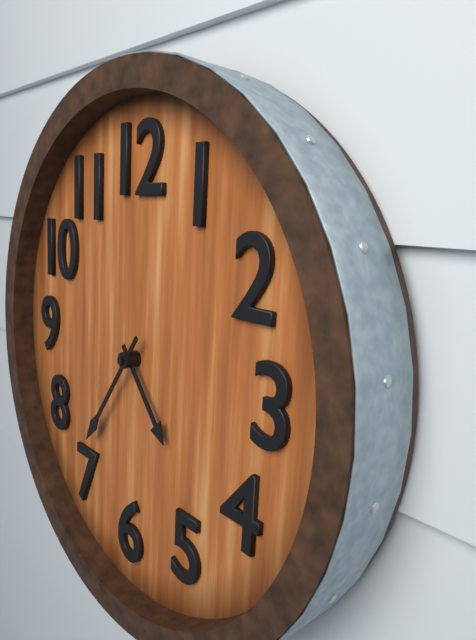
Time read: 4,36
